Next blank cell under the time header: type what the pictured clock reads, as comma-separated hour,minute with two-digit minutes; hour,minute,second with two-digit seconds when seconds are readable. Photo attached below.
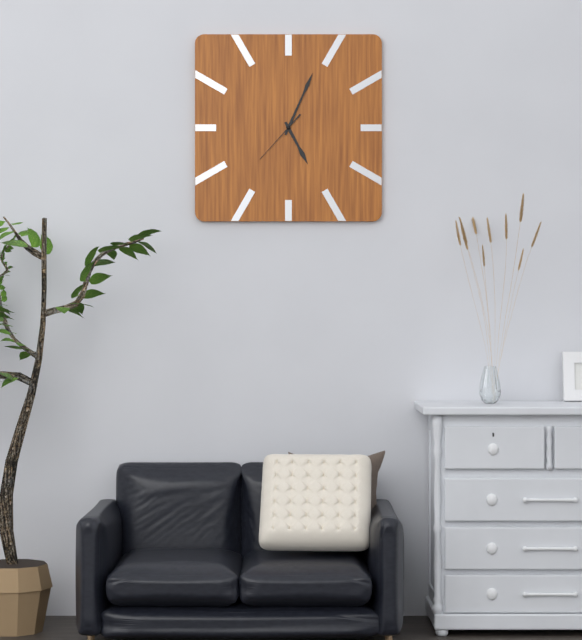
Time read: 5,04,37
